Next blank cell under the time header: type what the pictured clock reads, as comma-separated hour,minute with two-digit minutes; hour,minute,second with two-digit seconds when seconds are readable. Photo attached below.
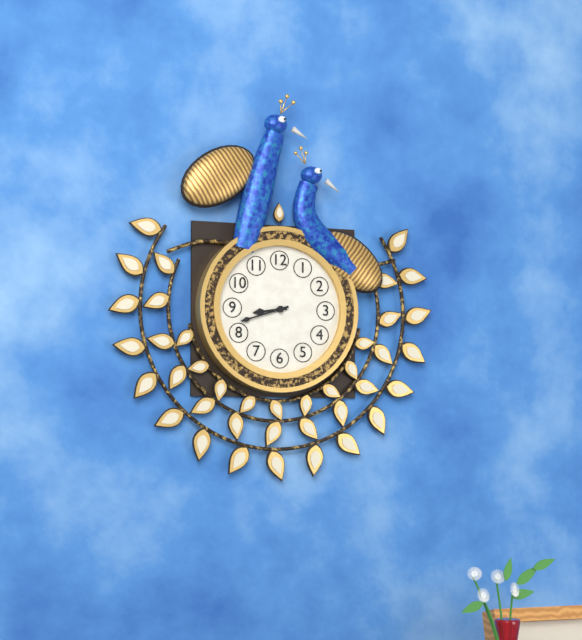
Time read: 8,42
